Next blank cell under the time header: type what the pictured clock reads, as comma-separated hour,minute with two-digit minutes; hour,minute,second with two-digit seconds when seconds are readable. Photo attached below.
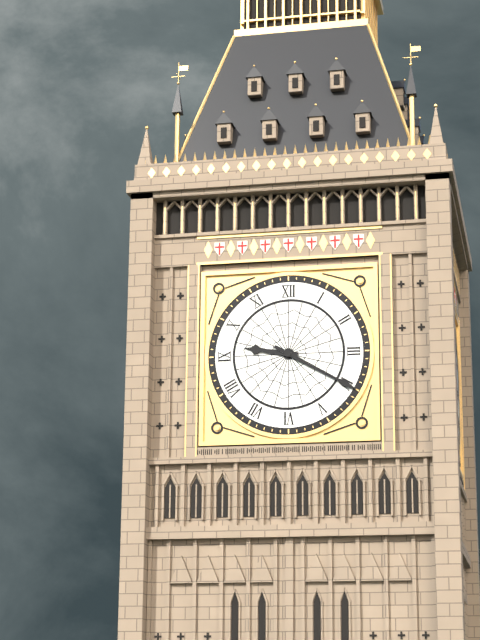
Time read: 9,20
